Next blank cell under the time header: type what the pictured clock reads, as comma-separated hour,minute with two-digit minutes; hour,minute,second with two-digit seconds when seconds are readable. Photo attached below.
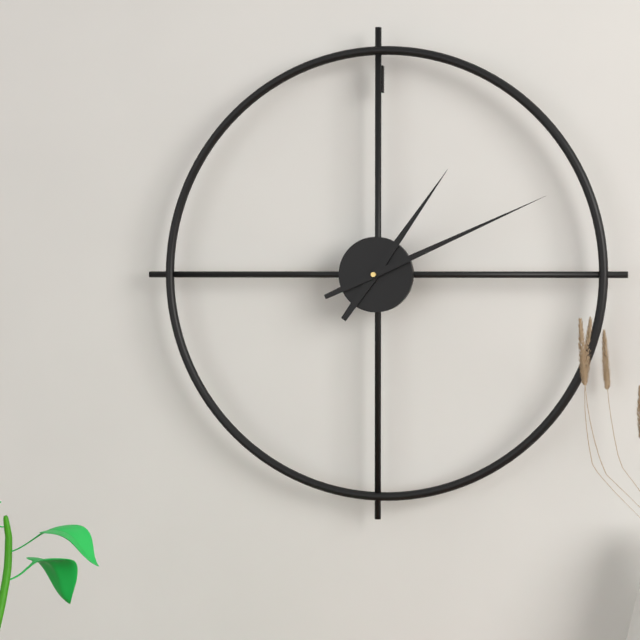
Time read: 1,11
